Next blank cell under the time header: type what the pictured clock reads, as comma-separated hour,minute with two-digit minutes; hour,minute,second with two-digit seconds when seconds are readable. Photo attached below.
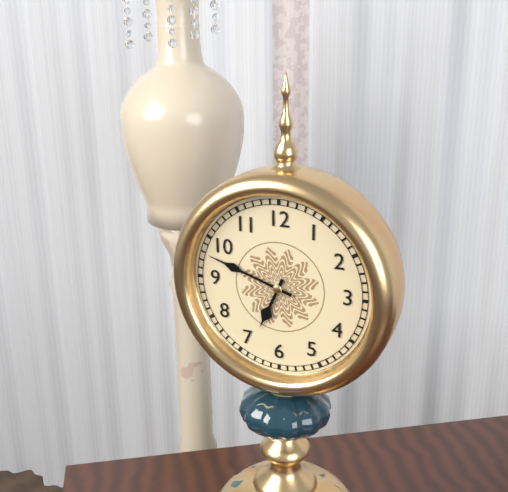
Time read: 6,48
